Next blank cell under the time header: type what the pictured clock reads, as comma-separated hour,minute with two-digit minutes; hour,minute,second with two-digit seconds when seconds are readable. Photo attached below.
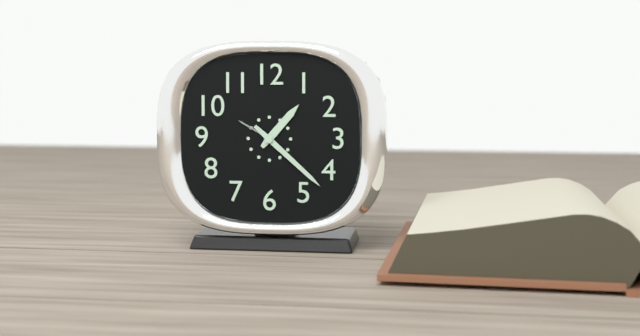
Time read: 1,22
